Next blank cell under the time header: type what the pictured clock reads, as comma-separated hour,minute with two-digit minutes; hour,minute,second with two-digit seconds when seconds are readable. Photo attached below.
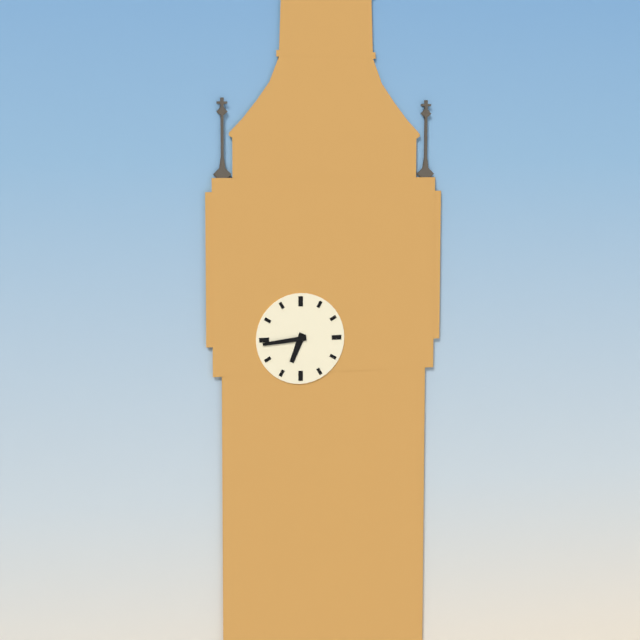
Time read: 6,44
